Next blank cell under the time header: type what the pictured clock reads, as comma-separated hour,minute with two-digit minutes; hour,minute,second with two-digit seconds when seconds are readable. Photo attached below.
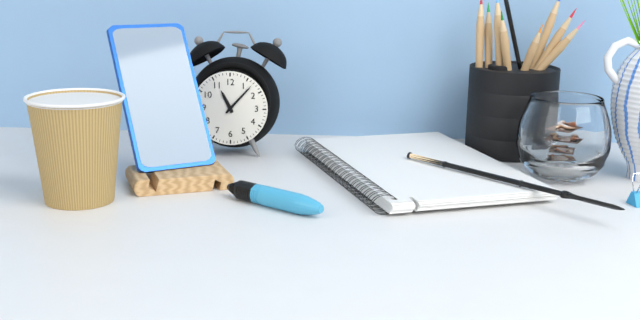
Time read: 11,07
